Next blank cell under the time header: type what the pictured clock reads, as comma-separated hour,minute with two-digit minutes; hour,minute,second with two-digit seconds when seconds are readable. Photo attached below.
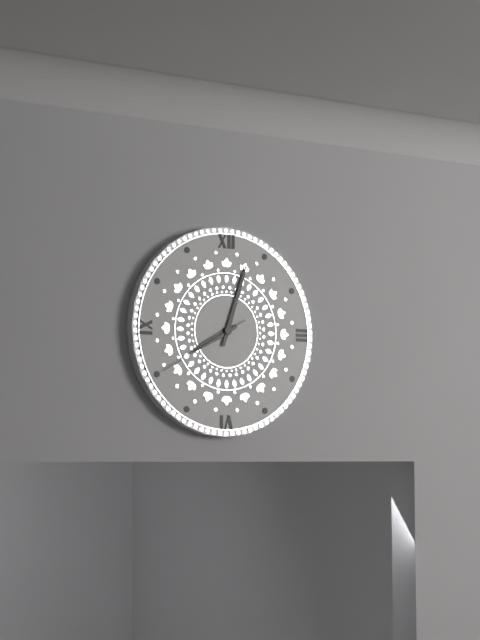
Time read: 8,03,40
